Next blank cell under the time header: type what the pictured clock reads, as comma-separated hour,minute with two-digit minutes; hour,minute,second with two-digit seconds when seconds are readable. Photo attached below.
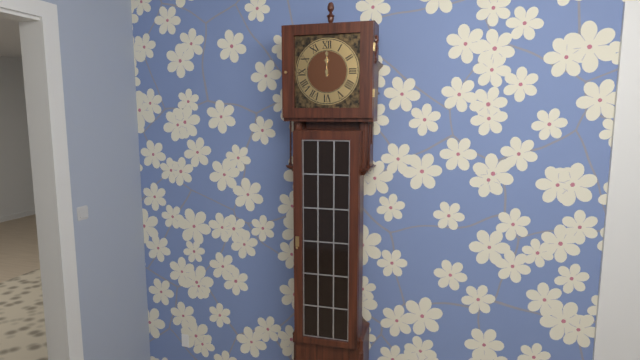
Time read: 12,00
